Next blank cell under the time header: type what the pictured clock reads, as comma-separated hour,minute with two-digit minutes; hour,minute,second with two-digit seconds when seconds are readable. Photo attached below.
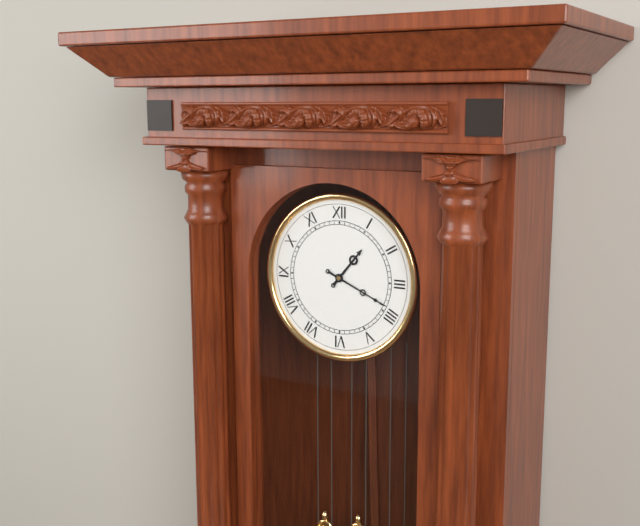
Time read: 1,19
